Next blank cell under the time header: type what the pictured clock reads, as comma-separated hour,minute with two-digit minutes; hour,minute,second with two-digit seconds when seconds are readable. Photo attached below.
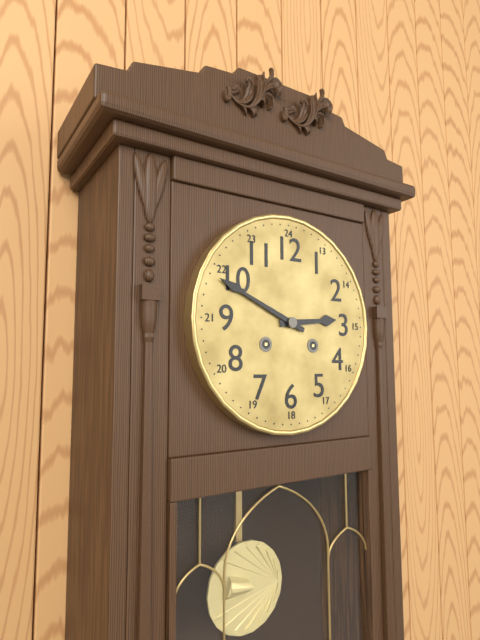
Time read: 2,49
